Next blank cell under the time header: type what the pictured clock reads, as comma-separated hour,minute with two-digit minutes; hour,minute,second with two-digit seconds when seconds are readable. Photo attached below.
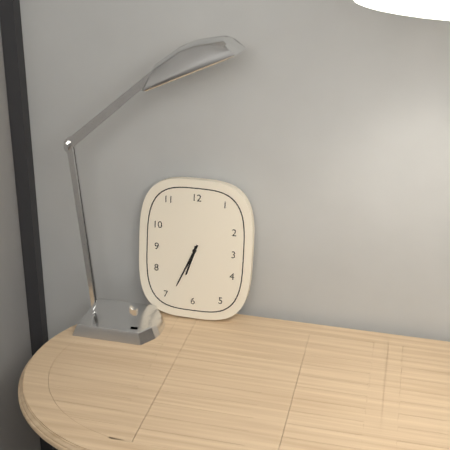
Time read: 6,34
